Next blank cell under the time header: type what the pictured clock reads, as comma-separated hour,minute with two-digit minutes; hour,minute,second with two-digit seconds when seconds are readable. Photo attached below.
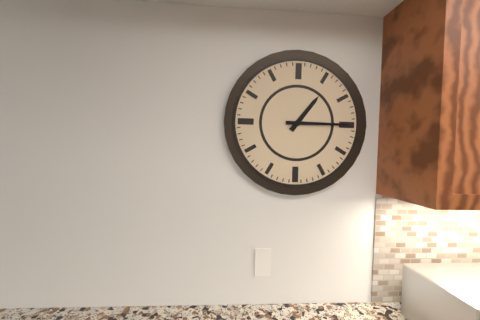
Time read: 1,15
